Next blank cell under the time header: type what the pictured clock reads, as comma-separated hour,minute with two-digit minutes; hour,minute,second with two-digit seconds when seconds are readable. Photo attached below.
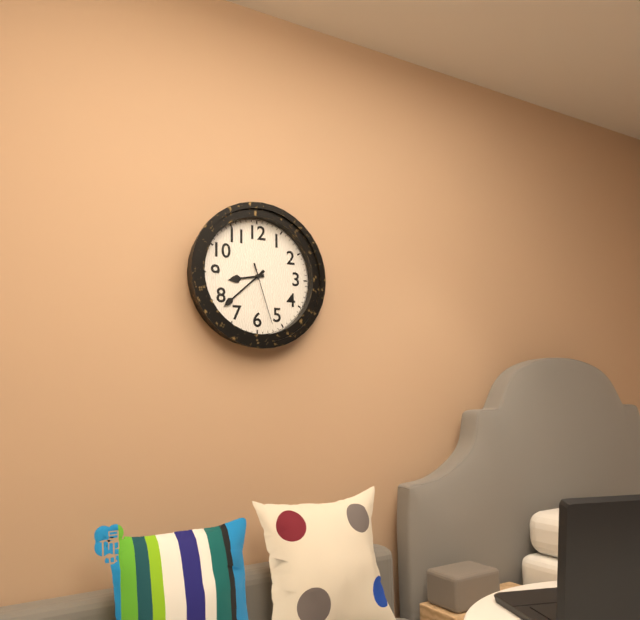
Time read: 8,38,27
